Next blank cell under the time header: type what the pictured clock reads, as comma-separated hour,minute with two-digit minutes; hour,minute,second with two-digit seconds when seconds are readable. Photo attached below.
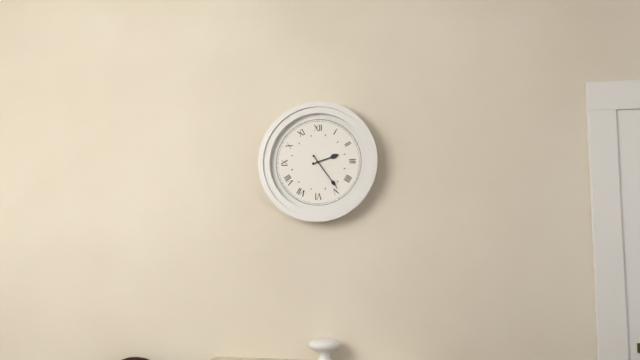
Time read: 2,24
